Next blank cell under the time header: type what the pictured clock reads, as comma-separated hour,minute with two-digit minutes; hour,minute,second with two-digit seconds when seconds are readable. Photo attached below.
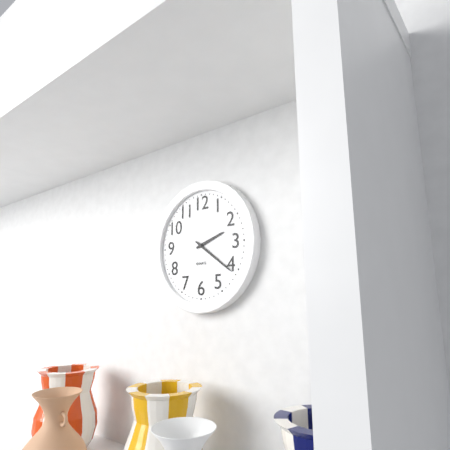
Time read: 2,21
